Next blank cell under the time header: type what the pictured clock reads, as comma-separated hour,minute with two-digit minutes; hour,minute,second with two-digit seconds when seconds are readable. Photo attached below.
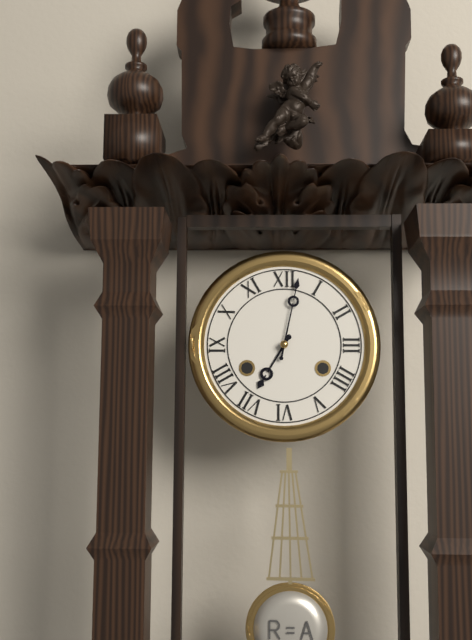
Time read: 7,02
